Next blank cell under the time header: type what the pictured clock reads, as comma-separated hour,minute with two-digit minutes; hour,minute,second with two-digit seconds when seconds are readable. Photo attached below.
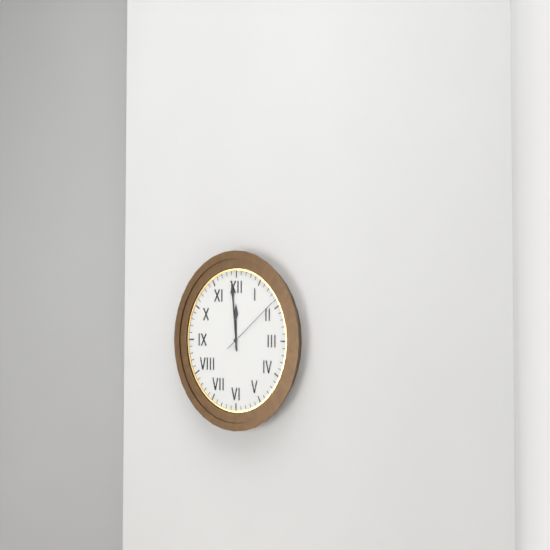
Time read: 11,59,09
